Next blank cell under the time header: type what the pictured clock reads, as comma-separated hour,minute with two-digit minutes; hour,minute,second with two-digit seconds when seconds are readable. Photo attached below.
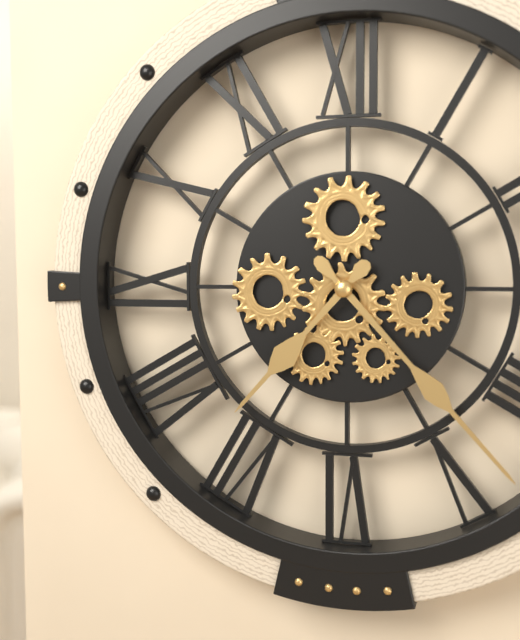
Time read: 7,23
